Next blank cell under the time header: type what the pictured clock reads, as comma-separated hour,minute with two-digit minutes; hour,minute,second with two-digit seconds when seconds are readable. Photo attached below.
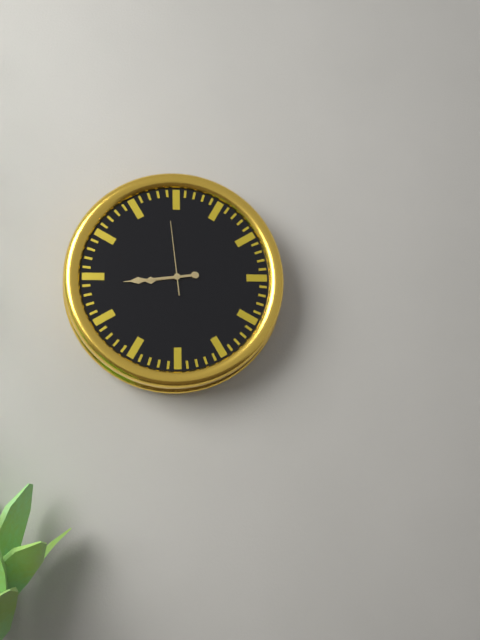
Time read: 8,44,59
